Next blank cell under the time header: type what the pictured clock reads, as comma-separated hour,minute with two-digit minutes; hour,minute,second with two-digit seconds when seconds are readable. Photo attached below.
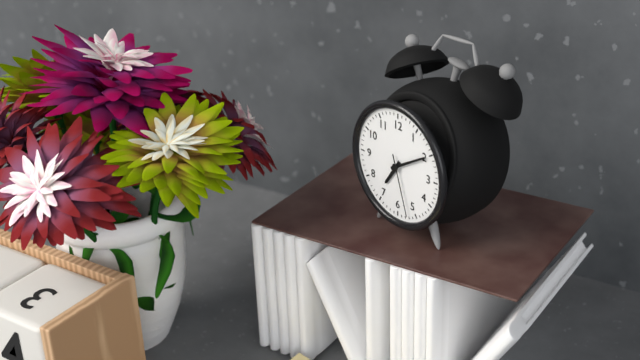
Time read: 7,10,27
